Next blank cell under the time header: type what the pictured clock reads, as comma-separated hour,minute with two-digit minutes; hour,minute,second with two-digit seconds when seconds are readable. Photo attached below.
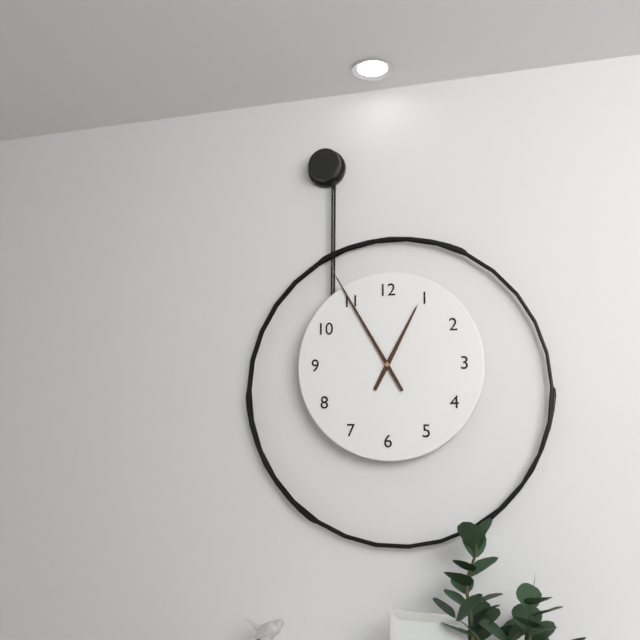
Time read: 12,55
